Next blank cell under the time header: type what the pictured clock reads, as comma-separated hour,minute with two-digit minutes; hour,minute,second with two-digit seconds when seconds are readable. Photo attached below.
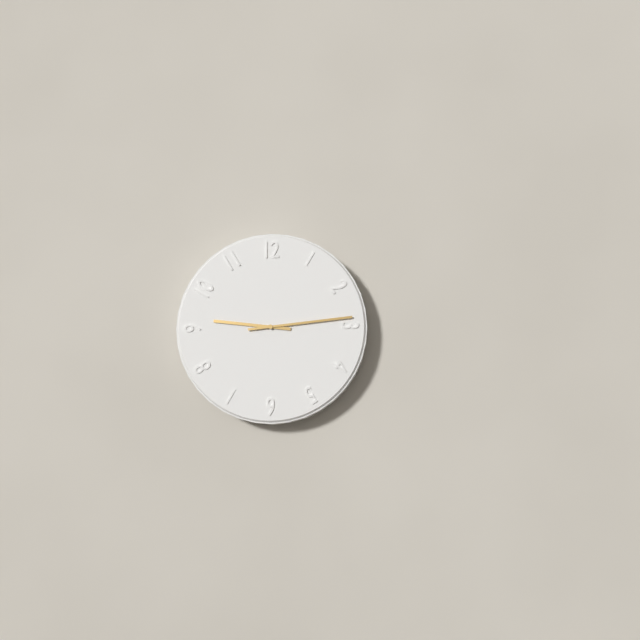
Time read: 9,14
